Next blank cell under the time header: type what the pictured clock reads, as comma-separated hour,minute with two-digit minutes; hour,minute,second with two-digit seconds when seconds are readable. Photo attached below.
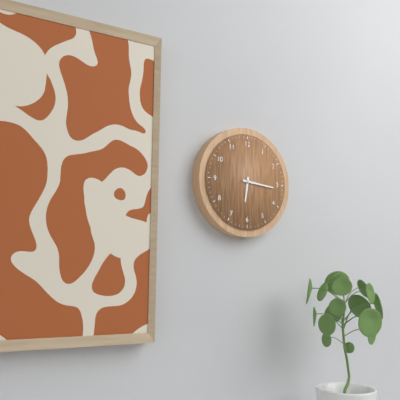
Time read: 6,16
